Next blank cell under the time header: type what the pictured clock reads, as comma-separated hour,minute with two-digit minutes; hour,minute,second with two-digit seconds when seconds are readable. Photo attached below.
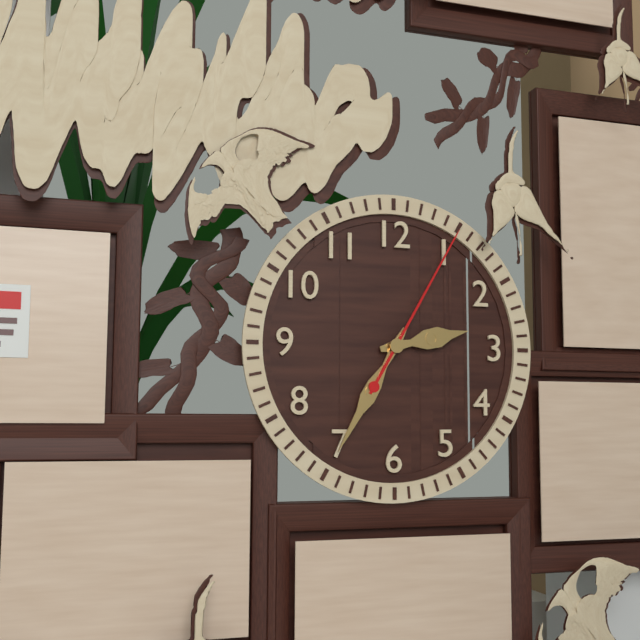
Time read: 2,35,05
